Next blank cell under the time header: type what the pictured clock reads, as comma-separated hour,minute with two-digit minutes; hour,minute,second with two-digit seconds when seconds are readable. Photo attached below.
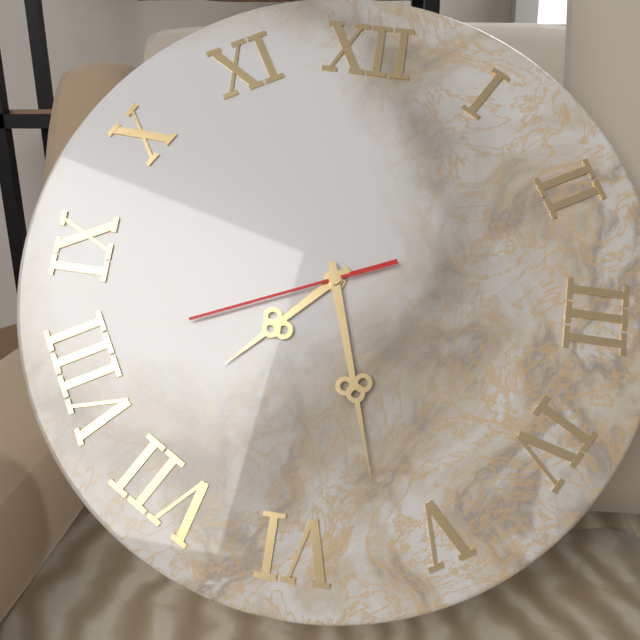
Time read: 7,27,41
